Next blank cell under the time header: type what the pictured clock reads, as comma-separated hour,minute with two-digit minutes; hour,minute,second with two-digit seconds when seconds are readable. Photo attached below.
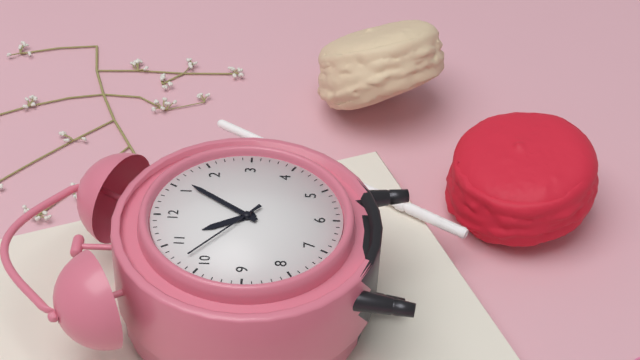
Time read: 11,06,52
